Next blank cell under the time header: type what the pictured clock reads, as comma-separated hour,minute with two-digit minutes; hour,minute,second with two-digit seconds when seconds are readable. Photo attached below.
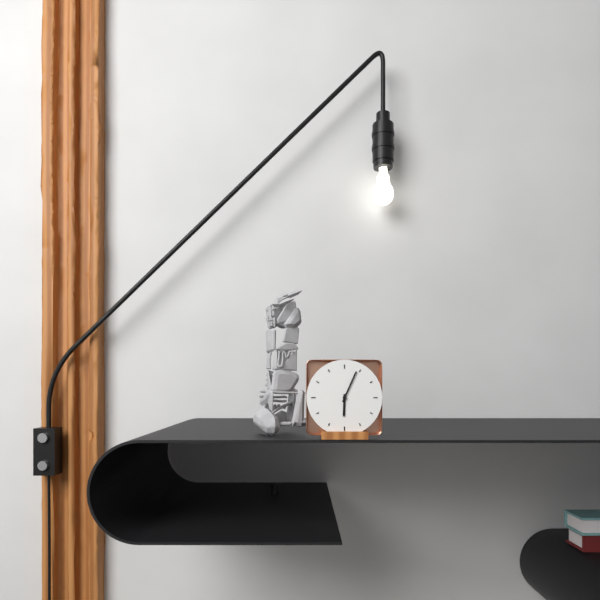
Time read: 6,04
